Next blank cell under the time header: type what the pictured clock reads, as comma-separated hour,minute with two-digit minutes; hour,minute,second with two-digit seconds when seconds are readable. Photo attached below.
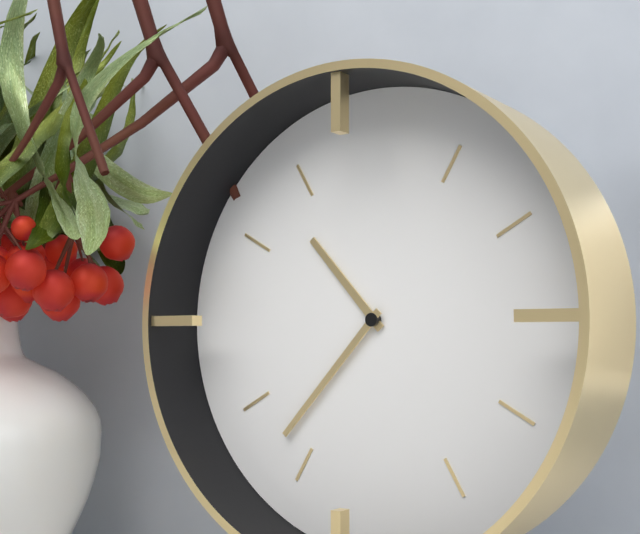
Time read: 10,37
